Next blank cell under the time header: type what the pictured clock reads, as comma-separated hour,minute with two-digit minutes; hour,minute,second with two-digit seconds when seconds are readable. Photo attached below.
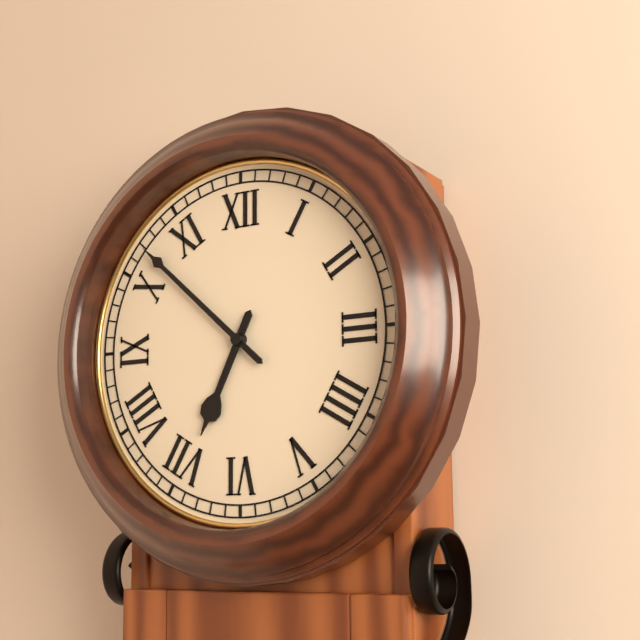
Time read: 6,52
